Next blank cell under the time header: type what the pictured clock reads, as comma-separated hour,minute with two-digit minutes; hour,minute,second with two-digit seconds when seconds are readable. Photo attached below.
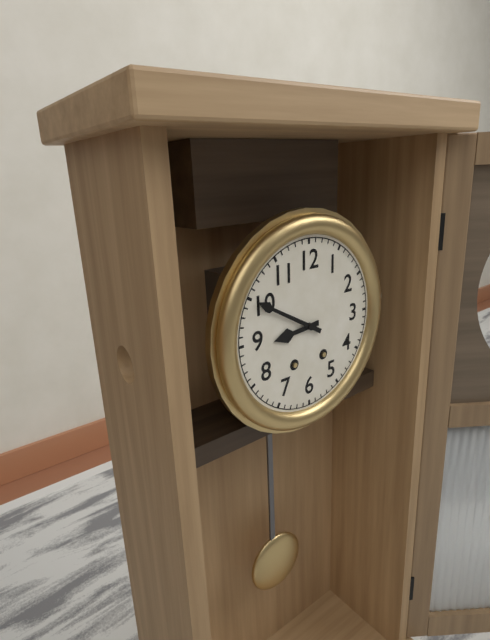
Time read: 8,50
